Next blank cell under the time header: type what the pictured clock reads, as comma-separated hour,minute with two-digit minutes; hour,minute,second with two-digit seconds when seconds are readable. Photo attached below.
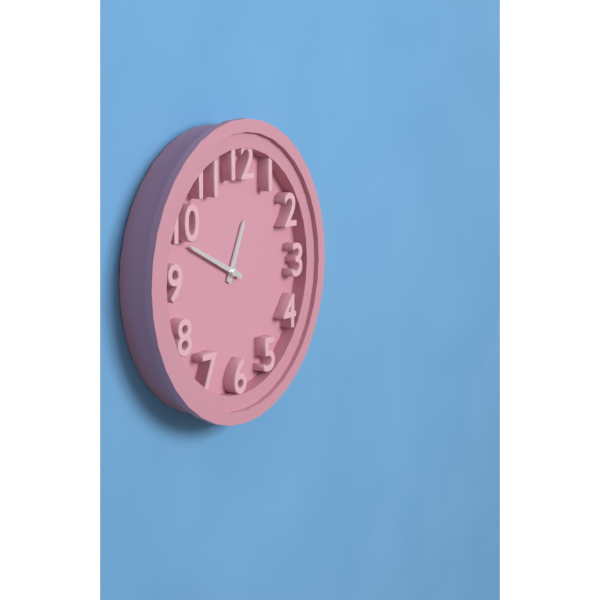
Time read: 12,49
